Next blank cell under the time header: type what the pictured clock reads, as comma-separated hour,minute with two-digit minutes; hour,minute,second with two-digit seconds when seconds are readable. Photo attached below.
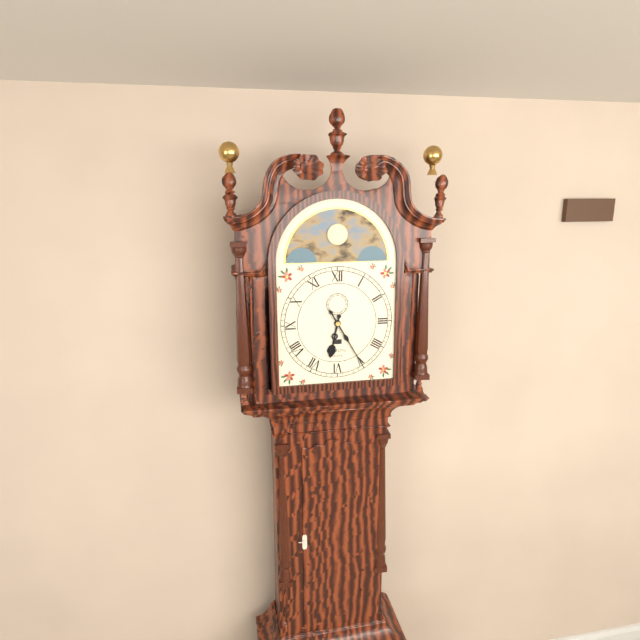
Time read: 6,25
